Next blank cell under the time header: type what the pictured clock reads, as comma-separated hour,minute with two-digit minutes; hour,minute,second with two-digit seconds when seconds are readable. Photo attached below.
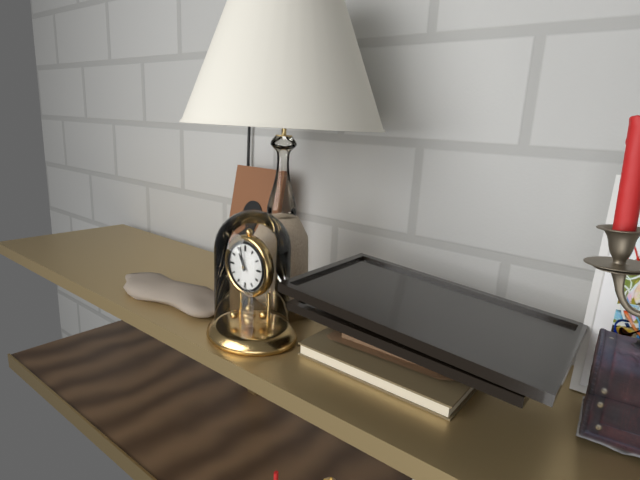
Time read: 10,58
